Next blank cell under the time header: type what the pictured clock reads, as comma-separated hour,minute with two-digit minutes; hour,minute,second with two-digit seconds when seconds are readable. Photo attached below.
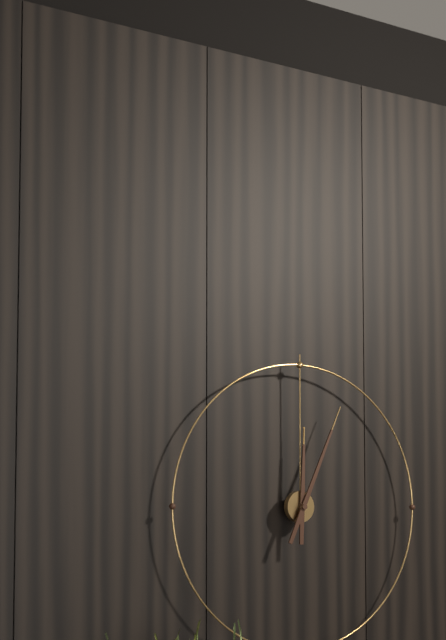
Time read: 12,04
